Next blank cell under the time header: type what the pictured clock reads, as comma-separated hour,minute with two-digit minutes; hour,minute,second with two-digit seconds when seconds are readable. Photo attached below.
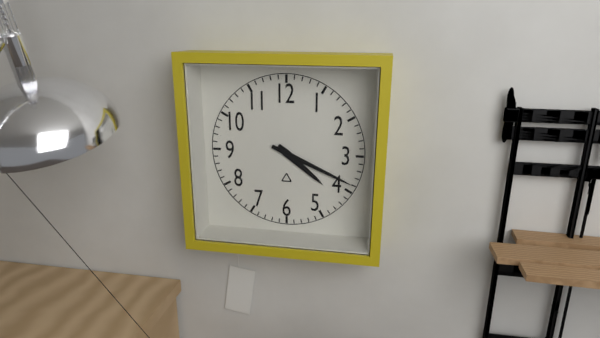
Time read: 4,19
